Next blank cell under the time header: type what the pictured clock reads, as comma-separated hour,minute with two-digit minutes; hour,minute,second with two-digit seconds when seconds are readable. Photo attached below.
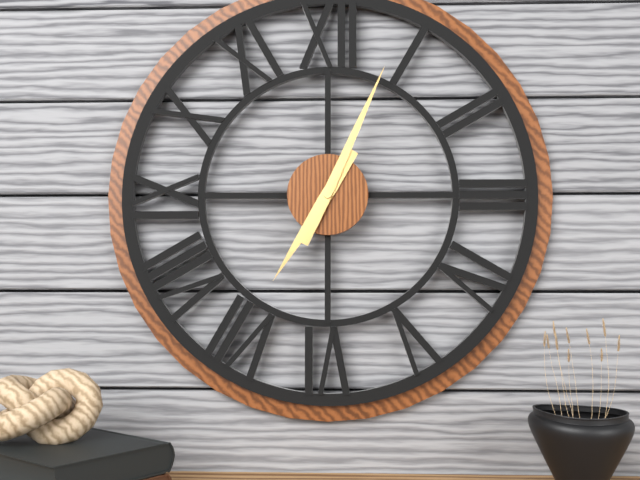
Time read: 7,04
